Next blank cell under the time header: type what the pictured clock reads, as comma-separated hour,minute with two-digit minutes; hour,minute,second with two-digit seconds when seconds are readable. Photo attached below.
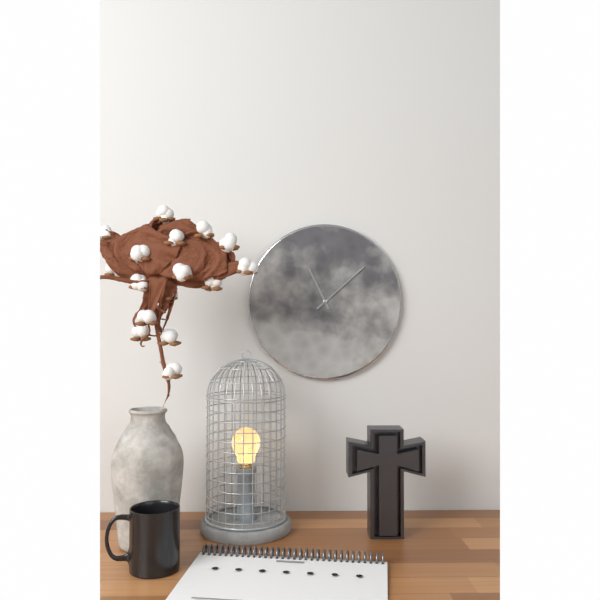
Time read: 11,08
